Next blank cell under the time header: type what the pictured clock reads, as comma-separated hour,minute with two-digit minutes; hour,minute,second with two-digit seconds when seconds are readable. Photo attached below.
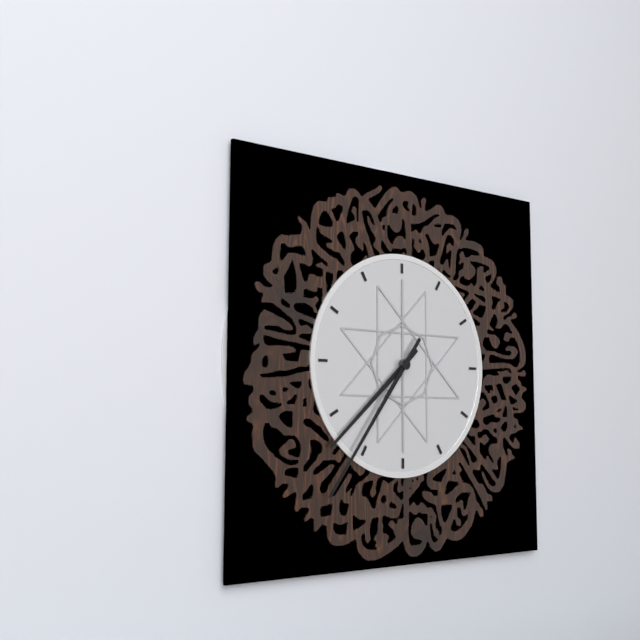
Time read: 7,36
